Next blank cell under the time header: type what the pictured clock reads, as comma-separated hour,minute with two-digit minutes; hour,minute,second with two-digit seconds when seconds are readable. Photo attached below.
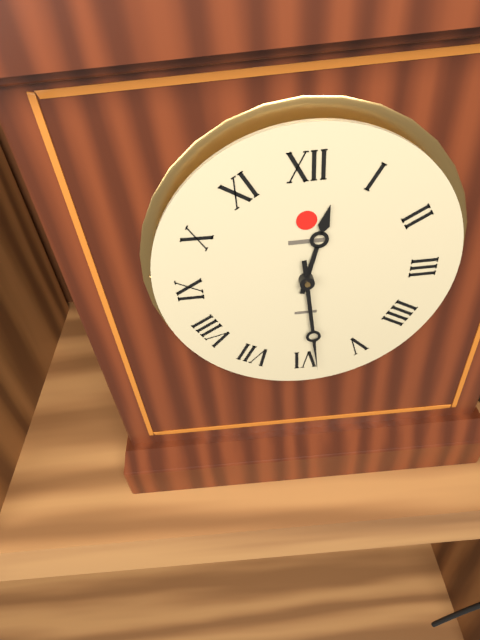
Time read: 12,29
